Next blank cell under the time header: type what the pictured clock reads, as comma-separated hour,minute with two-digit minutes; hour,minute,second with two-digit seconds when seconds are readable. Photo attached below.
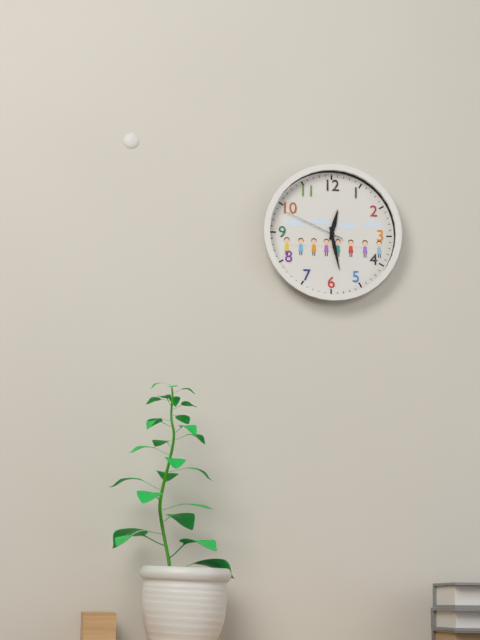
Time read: 12,28,49
